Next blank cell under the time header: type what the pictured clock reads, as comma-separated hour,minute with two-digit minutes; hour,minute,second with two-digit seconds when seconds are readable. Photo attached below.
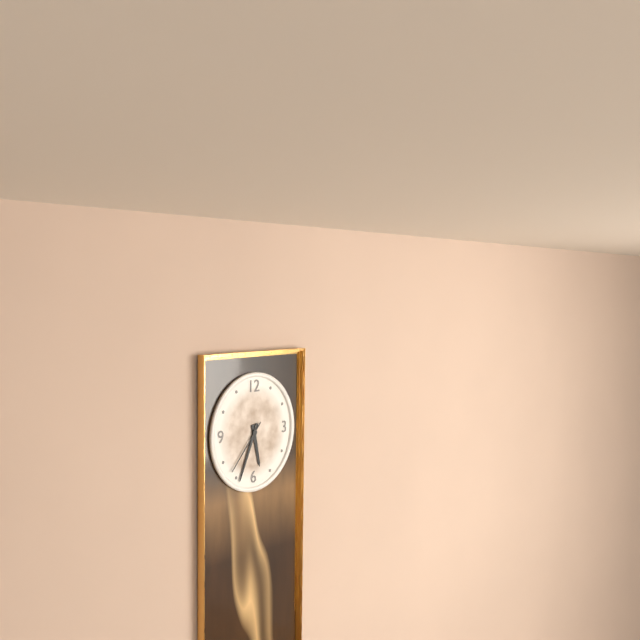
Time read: 5,34,37
